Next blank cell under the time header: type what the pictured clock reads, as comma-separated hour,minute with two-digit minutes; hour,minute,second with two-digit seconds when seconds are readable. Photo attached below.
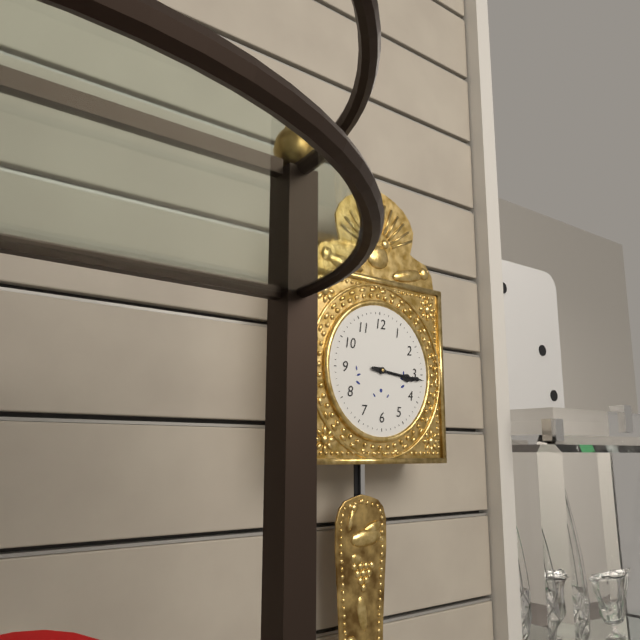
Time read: 3,16
